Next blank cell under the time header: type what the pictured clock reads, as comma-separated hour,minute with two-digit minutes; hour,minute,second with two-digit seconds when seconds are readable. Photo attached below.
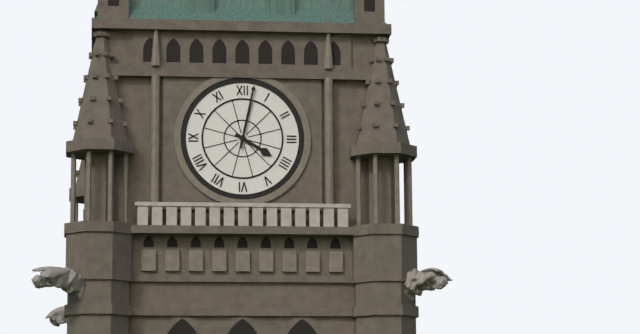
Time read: 4,02
